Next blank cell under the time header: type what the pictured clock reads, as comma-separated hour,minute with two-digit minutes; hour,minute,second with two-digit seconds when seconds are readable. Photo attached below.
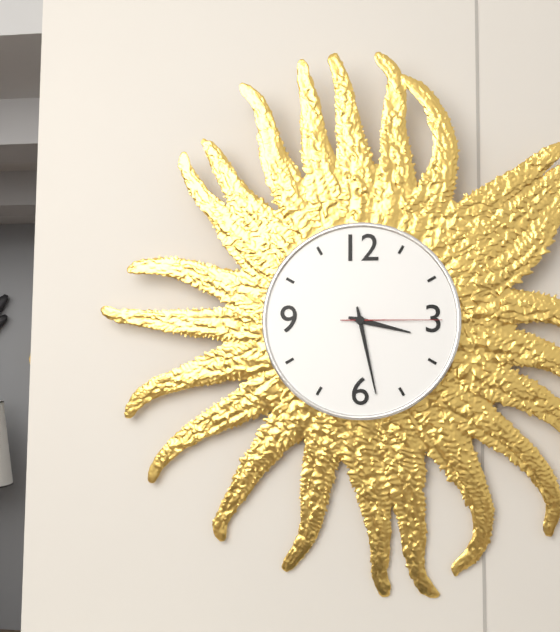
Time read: 3,28,15
